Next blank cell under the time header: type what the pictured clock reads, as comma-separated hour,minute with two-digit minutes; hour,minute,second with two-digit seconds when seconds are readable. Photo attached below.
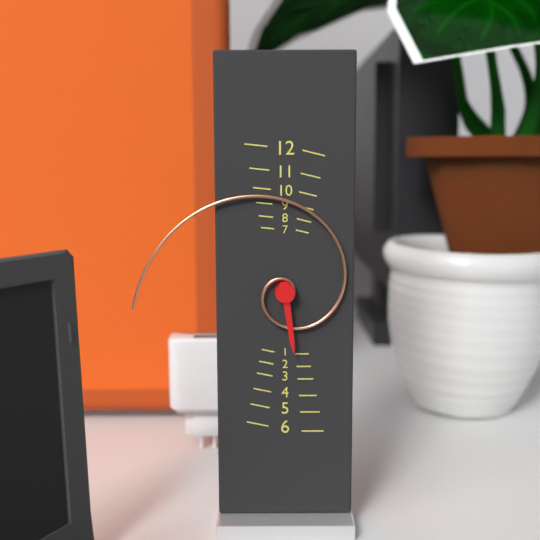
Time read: 5,44
